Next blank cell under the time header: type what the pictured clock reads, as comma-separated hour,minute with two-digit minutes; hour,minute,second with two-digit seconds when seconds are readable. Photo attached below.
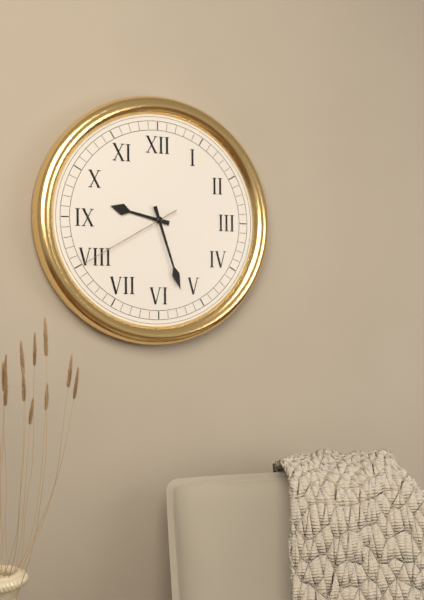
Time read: 9,27,40
